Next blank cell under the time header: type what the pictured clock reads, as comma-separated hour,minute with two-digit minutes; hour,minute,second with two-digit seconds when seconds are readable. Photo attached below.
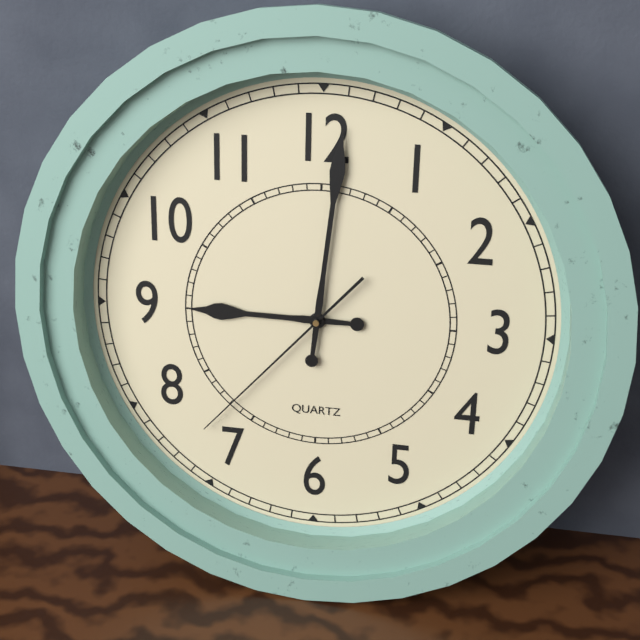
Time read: 9,01,37
